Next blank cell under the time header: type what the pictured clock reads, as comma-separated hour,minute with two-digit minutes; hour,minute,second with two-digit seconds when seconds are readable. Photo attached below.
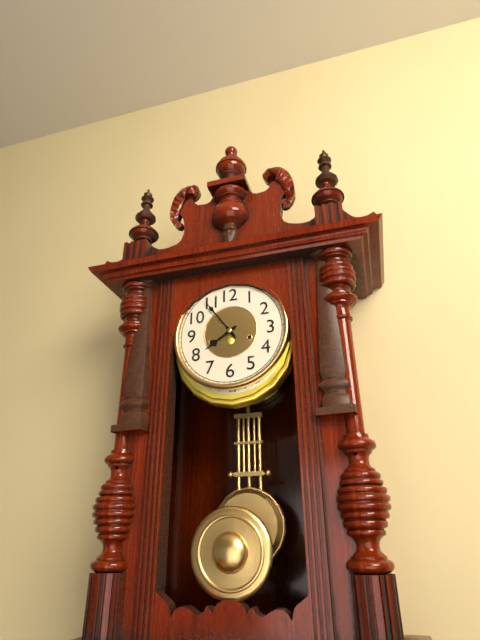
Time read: 7,54
